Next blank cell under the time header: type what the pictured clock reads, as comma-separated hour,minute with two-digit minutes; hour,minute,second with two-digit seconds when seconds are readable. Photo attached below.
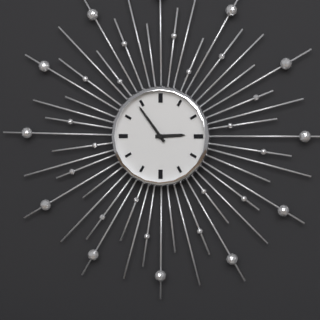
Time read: 2,54
